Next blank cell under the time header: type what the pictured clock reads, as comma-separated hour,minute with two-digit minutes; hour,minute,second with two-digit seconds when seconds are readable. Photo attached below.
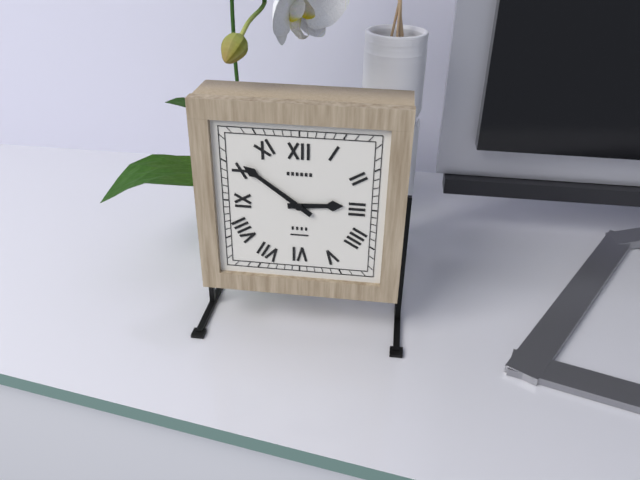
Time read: 2,51
